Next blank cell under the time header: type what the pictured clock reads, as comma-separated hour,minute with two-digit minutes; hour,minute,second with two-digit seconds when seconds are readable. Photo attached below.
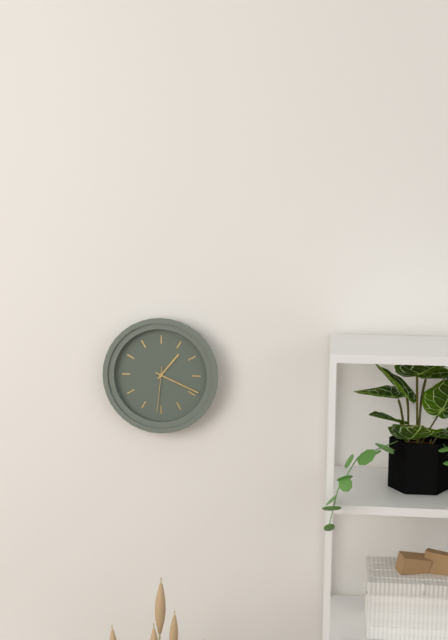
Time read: 1,19
